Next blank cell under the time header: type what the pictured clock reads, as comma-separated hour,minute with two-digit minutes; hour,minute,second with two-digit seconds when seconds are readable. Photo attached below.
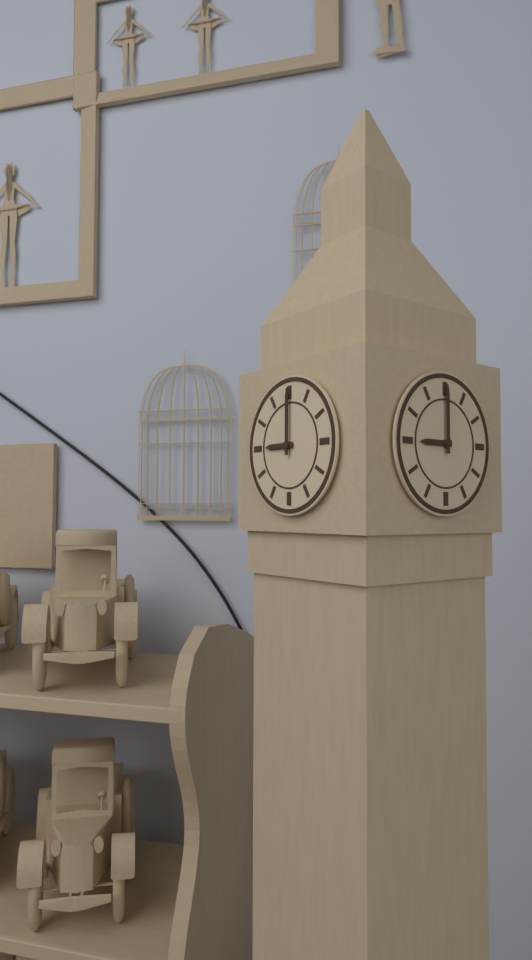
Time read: 9,00
